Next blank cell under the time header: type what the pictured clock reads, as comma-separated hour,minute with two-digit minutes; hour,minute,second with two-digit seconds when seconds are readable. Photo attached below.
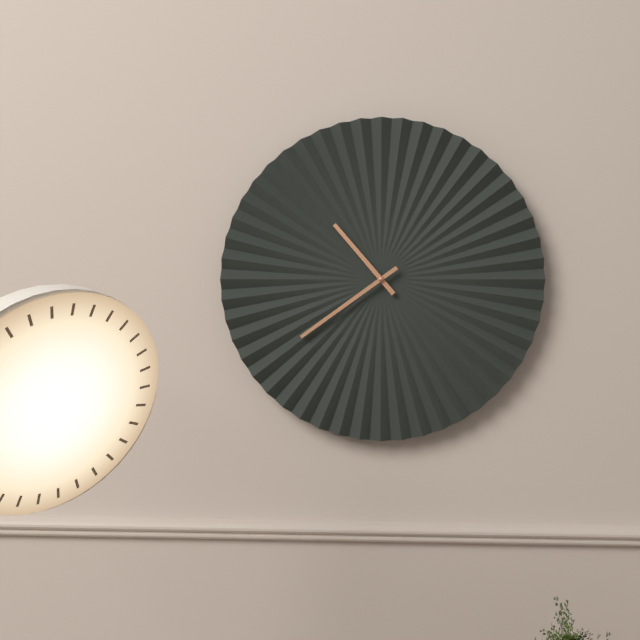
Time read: 10,39
